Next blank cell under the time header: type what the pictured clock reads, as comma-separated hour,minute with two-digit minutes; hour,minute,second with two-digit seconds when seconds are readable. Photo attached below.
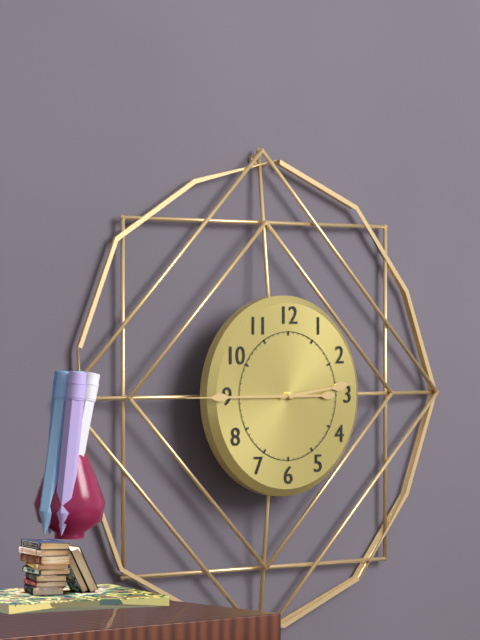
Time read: 2,45
